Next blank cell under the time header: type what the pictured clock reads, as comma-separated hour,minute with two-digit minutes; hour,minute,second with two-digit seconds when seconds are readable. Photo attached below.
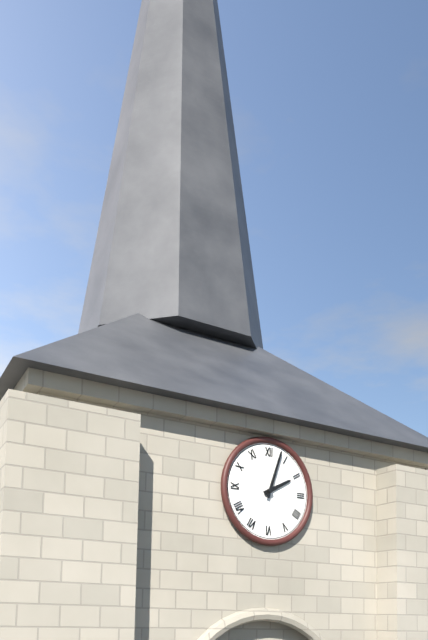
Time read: 2,03
